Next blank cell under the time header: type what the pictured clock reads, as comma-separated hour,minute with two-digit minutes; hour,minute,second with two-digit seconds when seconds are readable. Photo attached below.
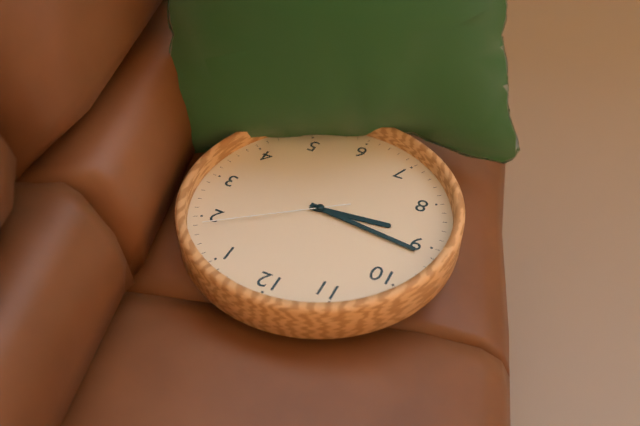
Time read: 8,46,09
